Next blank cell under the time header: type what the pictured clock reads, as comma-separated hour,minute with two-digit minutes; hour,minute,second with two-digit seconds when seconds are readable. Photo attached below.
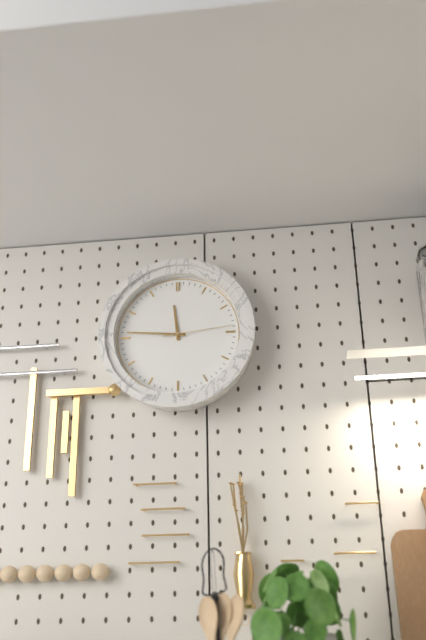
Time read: 11,46,14
